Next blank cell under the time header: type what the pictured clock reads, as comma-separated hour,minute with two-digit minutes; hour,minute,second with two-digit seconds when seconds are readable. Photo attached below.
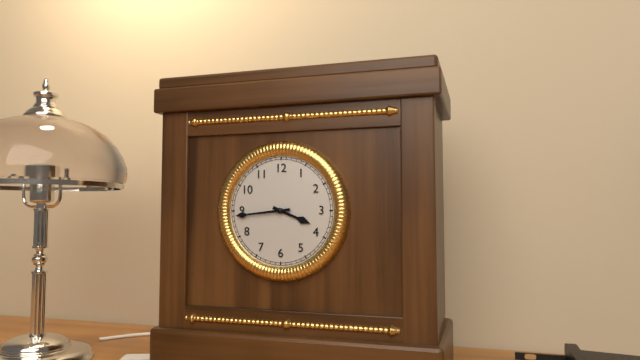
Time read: 3,44
